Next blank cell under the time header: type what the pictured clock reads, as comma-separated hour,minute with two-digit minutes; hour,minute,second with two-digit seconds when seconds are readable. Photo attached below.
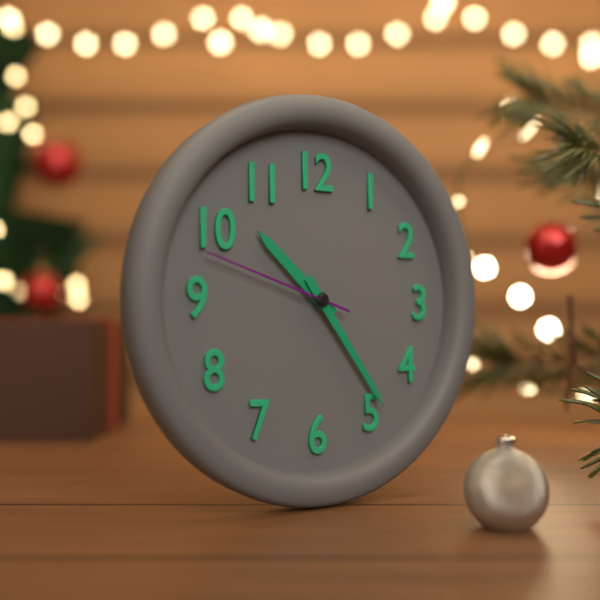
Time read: 10,24,48
